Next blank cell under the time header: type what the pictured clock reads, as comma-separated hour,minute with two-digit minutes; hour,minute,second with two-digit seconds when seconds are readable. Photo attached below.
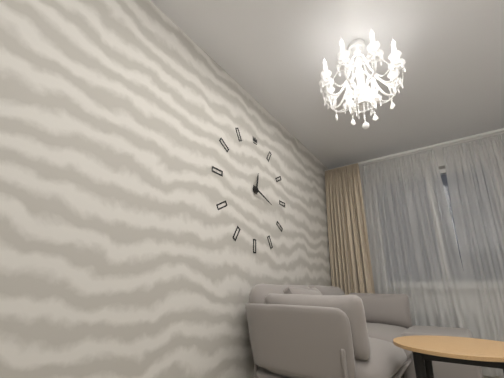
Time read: 12,18
